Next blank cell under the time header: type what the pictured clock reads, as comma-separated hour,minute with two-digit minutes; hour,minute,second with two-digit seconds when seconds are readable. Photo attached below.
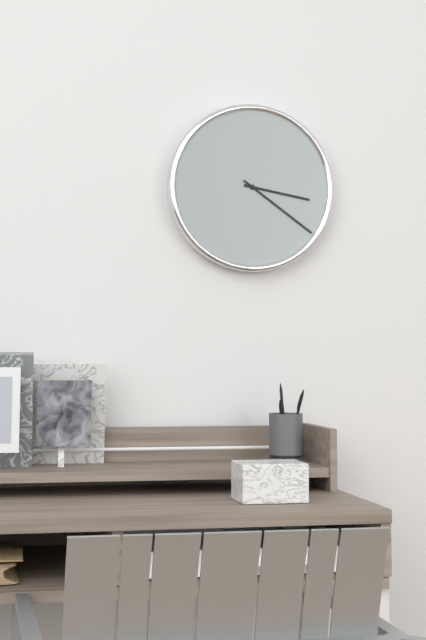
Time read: 3,21
